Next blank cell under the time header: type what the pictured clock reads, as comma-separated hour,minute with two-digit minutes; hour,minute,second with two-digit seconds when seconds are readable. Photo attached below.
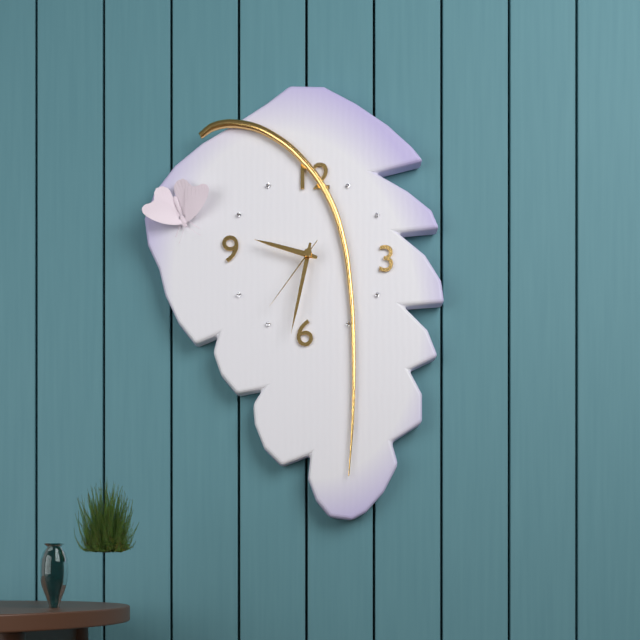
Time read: 9,32,36
